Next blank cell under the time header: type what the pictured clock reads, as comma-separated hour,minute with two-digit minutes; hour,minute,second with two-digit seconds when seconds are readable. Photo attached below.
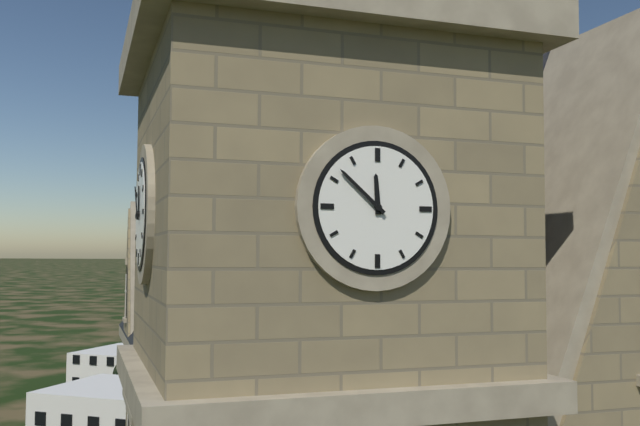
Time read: 11,52
